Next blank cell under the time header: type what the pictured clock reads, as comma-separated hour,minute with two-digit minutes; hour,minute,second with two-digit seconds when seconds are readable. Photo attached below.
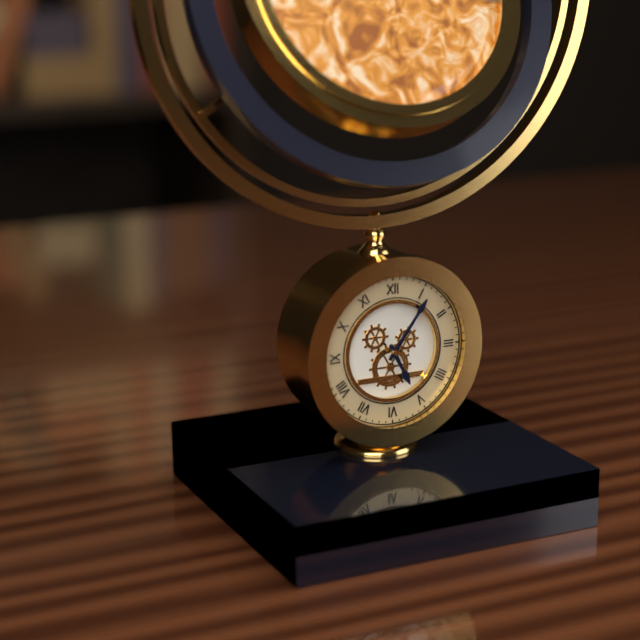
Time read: 5,06
